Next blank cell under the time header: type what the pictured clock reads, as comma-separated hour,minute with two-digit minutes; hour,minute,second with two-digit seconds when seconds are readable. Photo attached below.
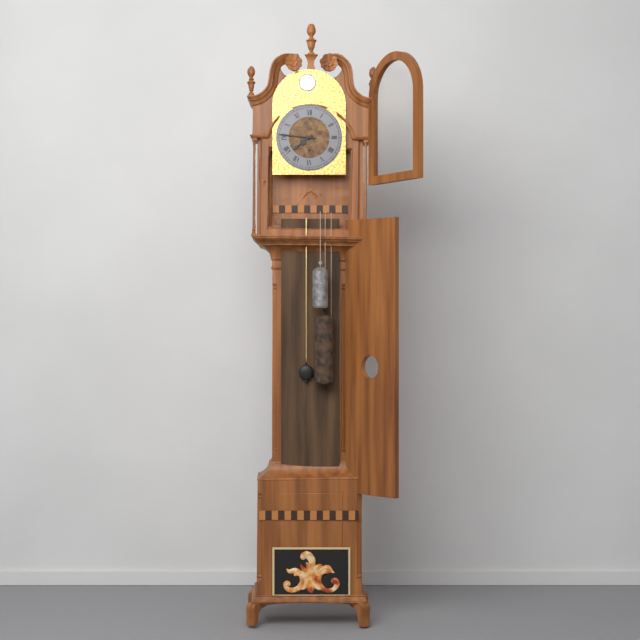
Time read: 7,46
